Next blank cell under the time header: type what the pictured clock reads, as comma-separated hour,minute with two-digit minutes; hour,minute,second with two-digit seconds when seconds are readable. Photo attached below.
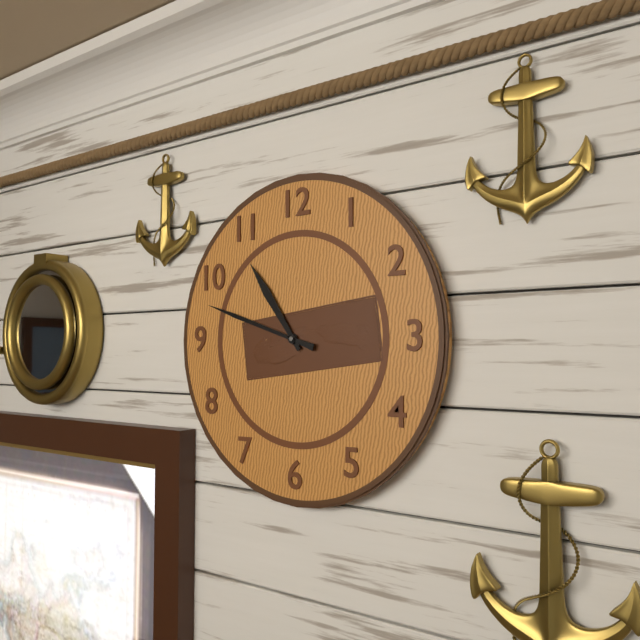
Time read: 10,48
